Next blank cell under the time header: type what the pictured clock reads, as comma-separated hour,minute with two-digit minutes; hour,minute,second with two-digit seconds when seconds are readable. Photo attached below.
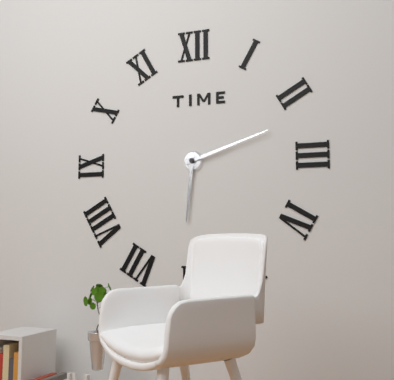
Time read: 6,12
